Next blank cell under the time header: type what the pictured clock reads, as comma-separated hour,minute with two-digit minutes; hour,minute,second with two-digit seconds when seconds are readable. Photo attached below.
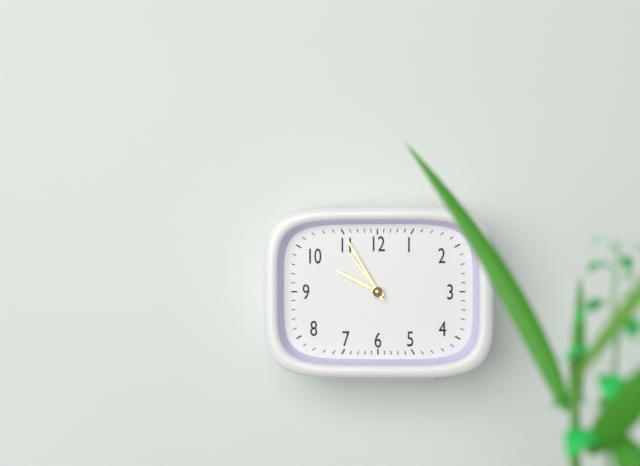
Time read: 9,55,54
